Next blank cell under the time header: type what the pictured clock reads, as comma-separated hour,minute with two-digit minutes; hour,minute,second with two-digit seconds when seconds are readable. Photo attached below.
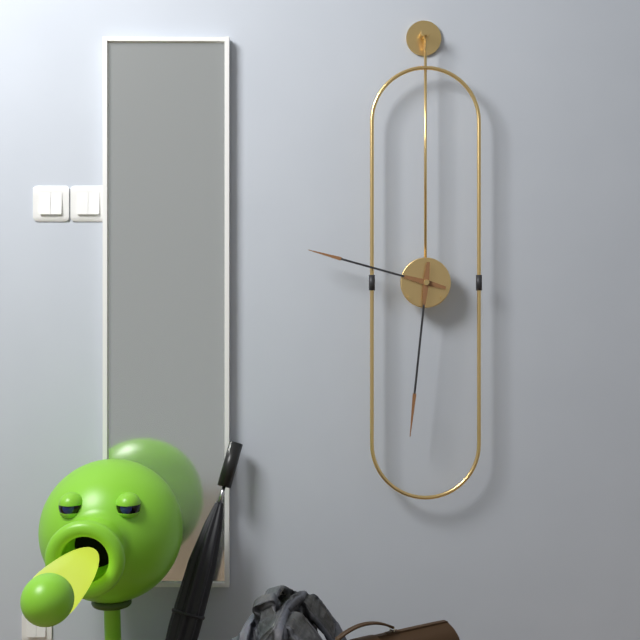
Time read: 9,31
